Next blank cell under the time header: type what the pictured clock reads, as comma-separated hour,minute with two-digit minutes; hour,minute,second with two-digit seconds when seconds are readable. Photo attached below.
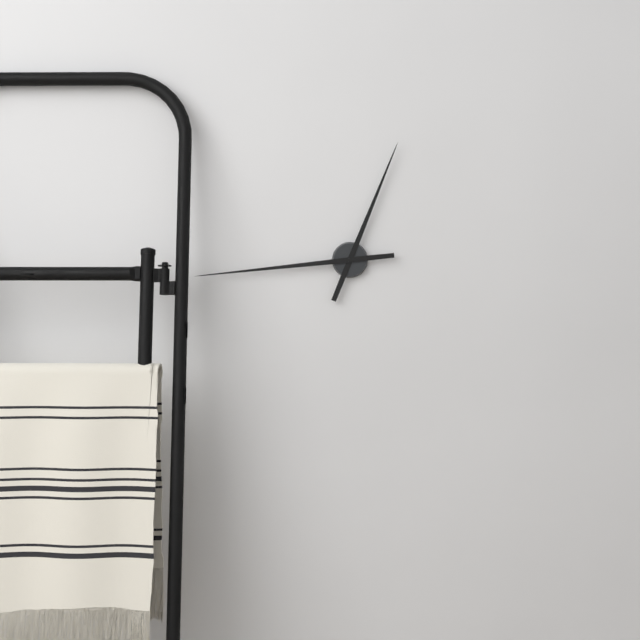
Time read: 12,44
